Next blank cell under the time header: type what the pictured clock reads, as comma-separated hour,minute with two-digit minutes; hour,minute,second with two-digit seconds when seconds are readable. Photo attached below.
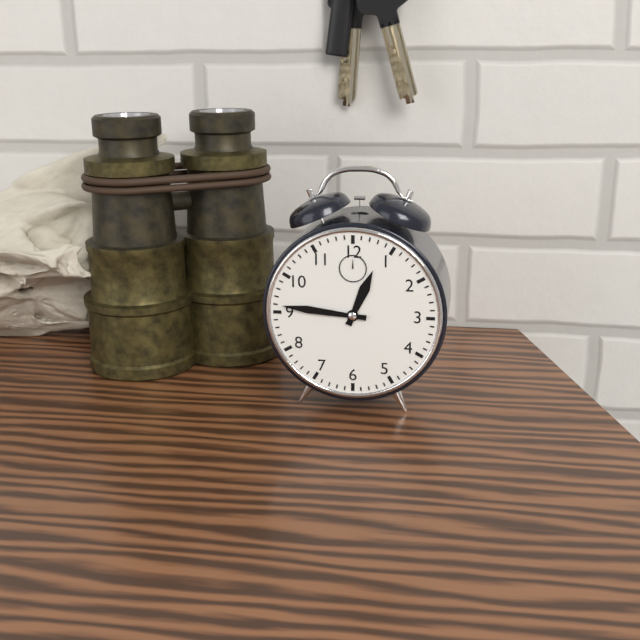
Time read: 12,46
